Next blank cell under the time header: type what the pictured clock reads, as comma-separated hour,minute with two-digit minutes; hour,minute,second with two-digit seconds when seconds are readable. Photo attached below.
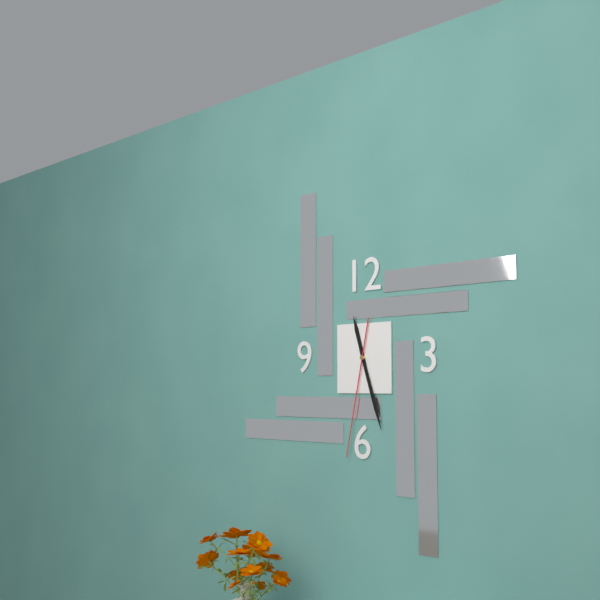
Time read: 11,27,32
